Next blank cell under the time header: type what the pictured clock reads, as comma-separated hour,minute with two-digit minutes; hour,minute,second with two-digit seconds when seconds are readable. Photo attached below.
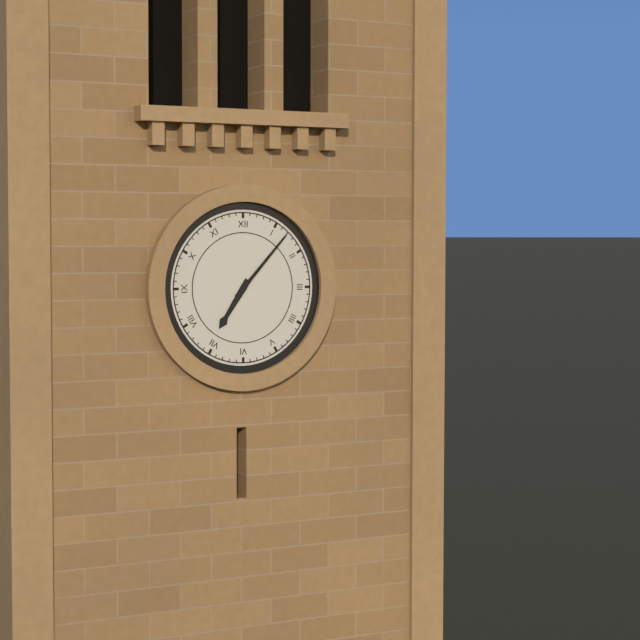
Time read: 7,07
